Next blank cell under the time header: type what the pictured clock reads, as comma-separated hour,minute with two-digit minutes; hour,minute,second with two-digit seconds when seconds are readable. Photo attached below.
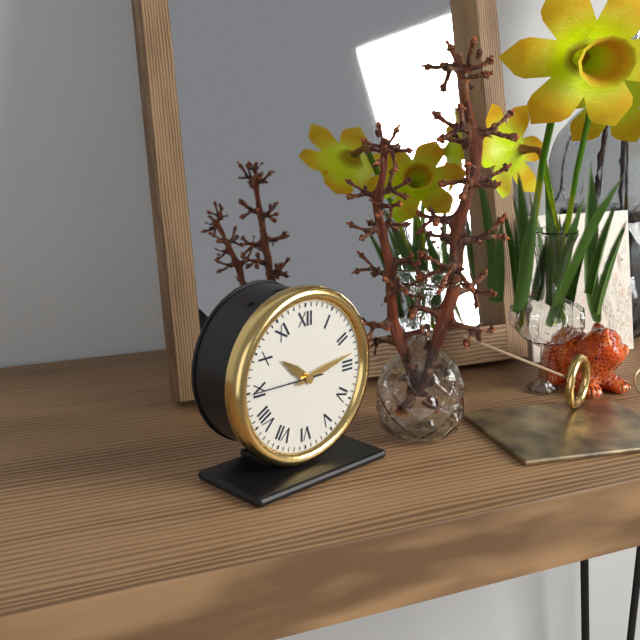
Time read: 10,13,45
